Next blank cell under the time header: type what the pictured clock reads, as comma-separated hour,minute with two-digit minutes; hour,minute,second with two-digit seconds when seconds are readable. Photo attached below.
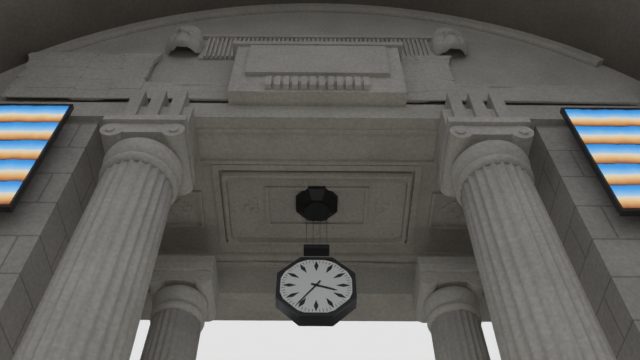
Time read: 3,36
